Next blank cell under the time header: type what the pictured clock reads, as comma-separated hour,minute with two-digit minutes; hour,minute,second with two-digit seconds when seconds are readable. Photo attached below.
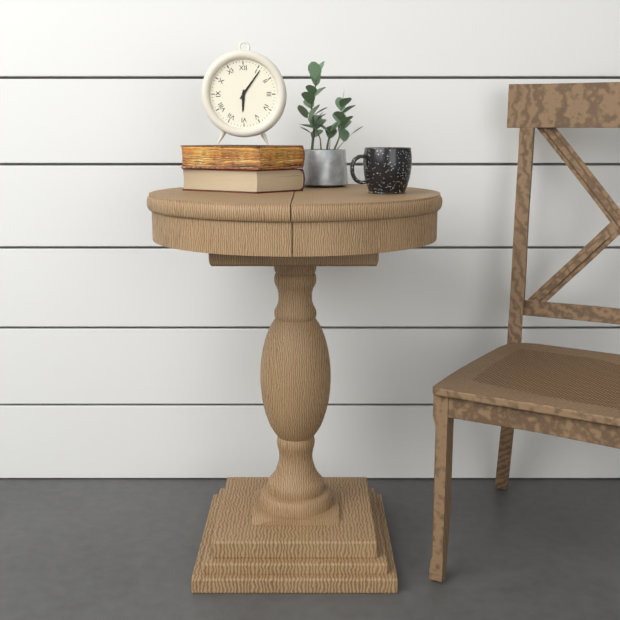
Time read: 6,06
